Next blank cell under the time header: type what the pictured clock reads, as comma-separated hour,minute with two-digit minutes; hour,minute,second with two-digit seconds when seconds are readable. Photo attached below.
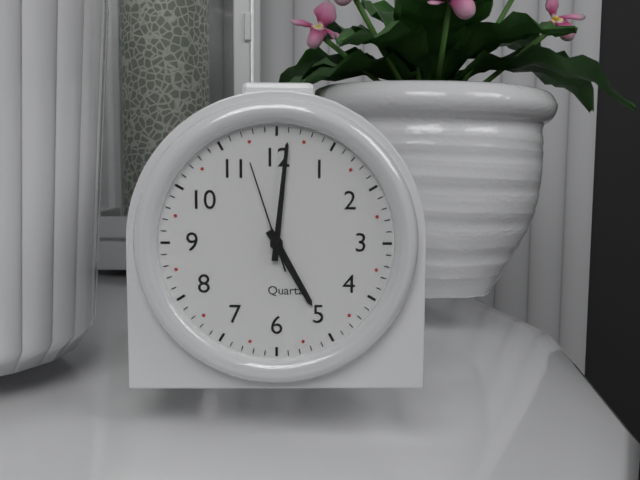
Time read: 5,01,57
